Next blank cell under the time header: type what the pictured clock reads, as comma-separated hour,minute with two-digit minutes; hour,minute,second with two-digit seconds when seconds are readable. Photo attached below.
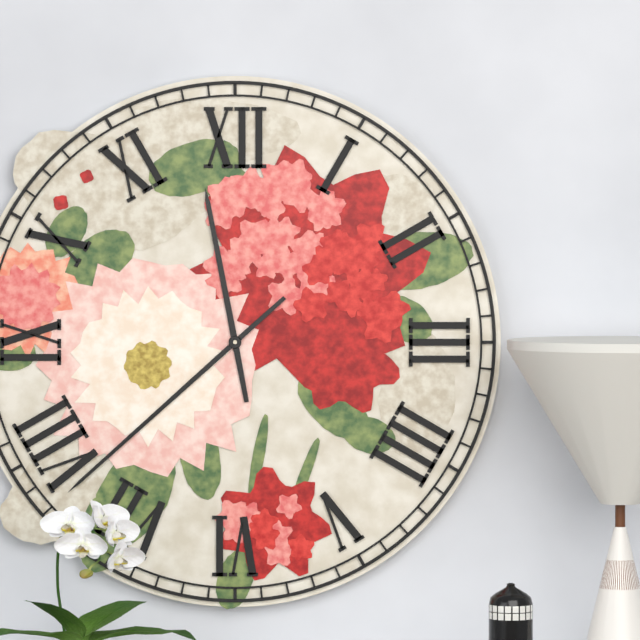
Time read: 11,38
